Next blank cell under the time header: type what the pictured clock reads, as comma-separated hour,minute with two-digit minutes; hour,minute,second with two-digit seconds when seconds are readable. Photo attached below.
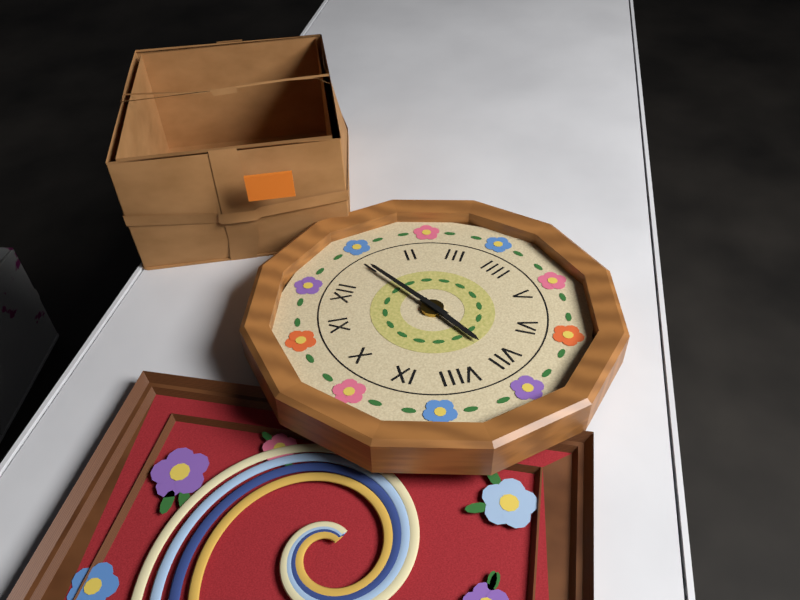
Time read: 7,05
